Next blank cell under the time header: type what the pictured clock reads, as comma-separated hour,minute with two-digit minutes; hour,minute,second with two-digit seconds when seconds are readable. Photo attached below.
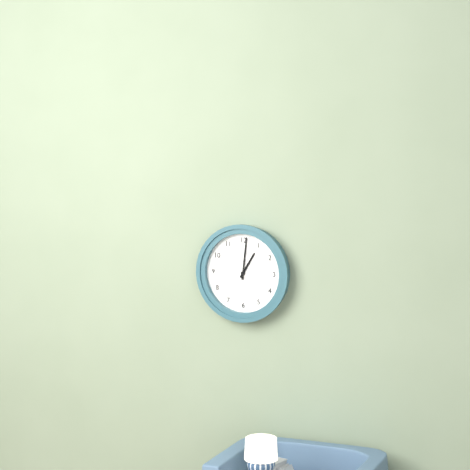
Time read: 1,01
